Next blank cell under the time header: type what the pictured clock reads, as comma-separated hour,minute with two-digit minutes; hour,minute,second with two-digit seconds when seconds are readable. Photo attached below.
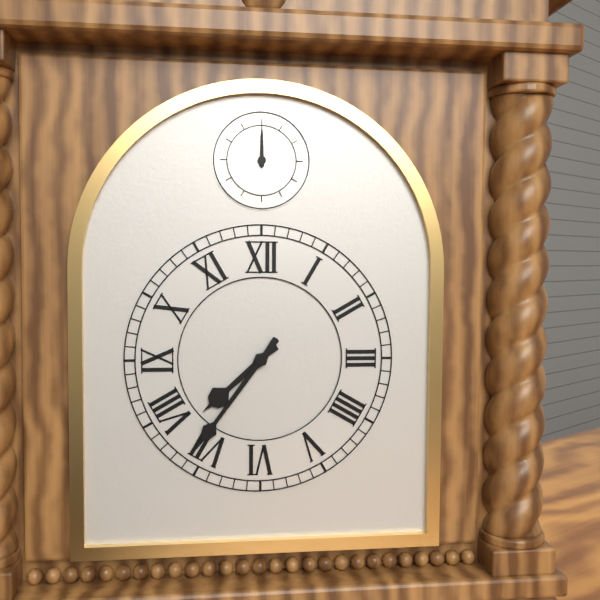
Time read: 7,36
